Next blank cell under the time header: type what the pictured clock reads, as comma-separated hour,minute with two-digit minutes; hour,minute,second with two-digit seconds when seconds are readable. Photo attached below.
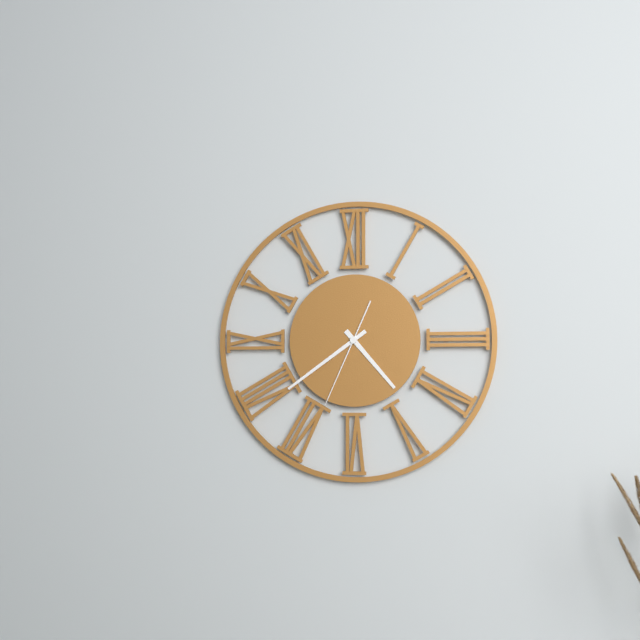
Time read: 4,39,34
